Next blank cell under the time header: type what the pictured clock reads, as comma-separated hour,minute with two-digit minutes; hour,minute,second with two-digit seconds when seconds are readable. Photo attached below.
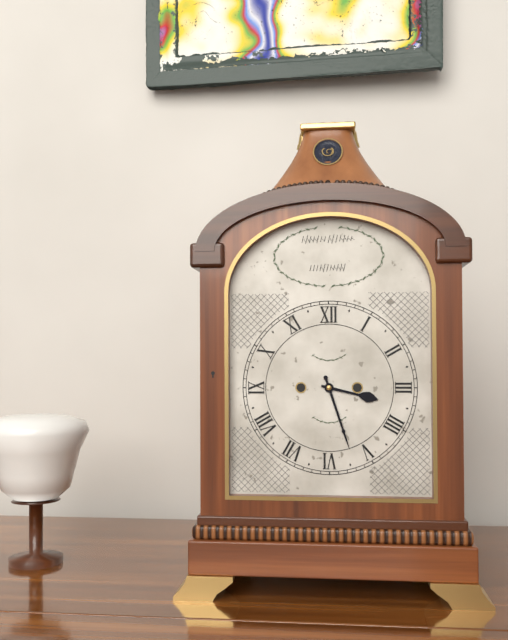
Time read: 3,27
